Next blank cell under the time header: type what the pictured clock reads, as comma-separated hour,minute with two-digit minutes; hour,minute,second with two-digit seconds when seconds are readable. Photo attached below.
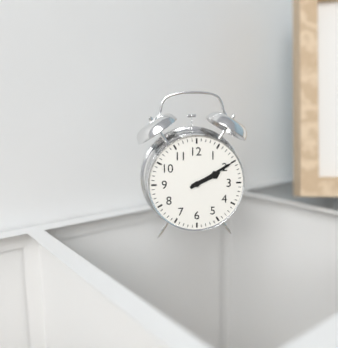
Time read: 2,10
